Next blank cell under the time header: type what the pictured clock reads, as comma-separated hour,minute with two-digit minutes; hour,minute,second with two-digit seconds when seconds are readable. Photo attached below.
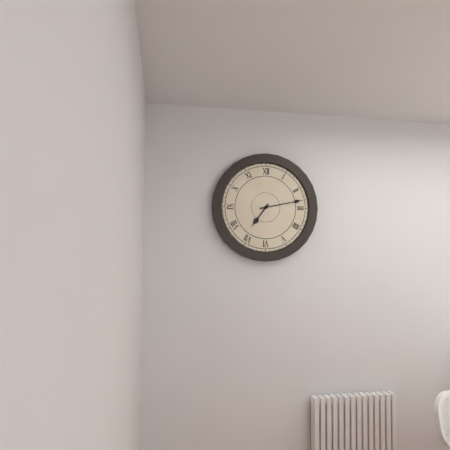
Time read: 7,13
